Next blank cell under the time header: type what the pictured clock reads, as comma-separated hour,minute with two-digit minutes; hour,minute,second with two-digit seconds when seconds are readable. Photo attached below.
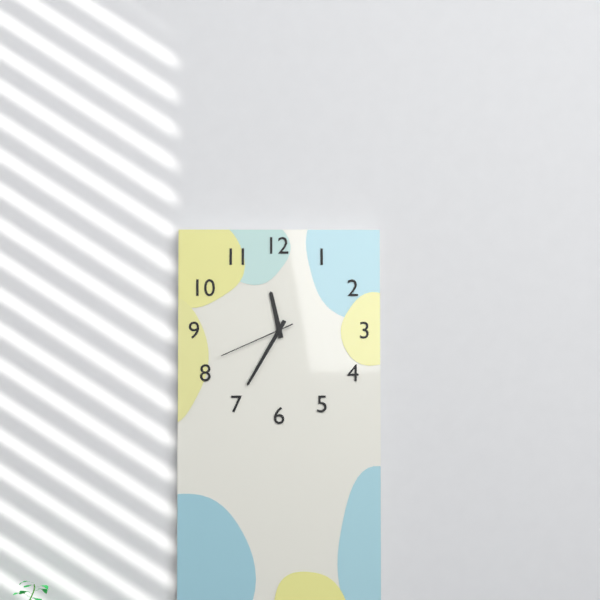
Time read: 11,35,41
